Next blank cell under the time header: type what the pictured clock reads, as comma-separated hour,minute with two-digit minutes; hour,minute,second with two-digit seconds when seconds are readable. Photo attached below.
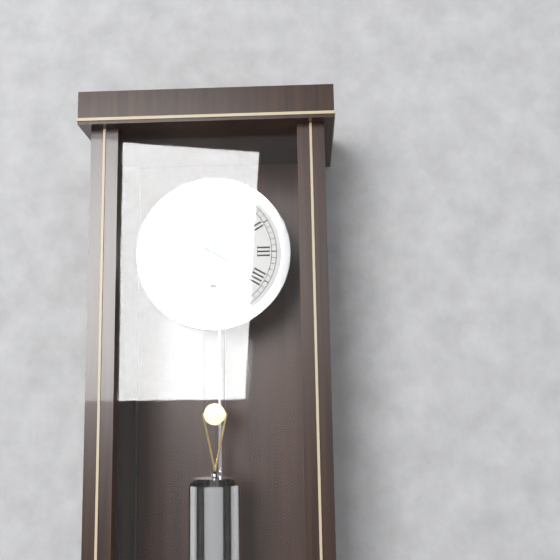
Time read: 4,02
